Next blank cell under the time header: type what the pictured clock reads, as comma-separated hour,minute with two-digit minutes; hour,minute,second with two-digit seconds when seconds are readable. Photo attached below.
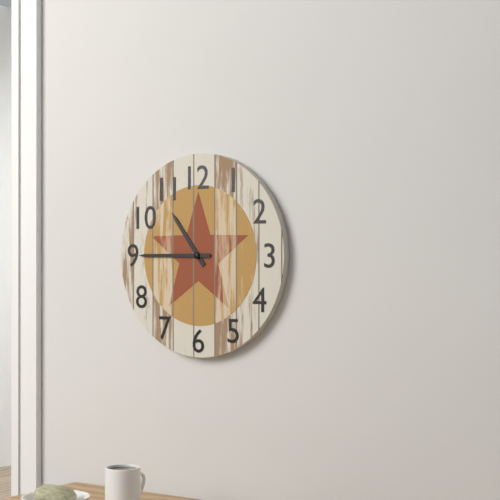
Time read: 10,45
